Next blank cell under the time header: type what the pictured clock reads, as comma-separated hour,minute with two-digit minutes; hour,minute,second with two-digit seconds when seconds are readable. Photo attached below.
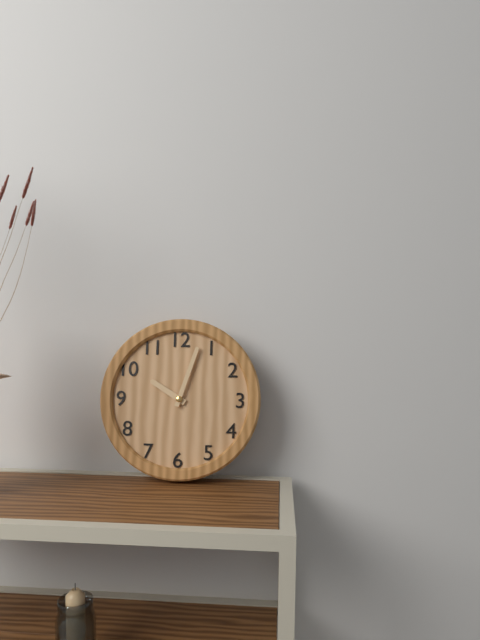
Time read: 10,03
